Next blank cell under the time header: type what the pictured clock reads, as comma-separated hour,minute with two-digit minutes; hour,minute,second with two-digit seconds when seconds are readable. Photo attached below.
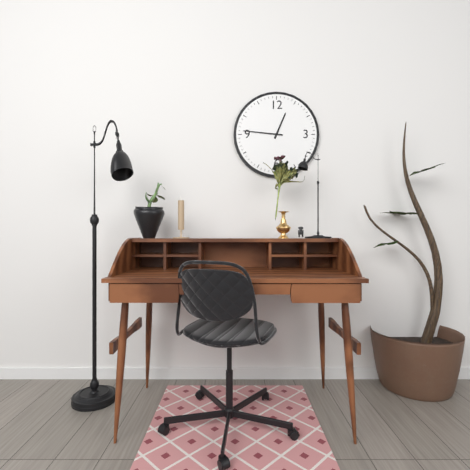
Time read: 12,46
